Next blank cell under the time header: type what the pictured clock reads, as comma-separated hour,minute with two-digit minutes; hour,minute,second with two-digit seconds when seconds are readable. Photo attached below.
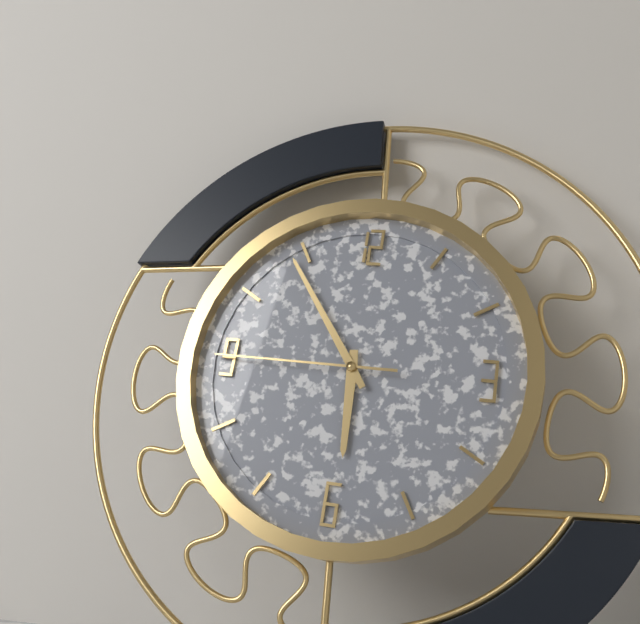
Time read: 5,54,45
